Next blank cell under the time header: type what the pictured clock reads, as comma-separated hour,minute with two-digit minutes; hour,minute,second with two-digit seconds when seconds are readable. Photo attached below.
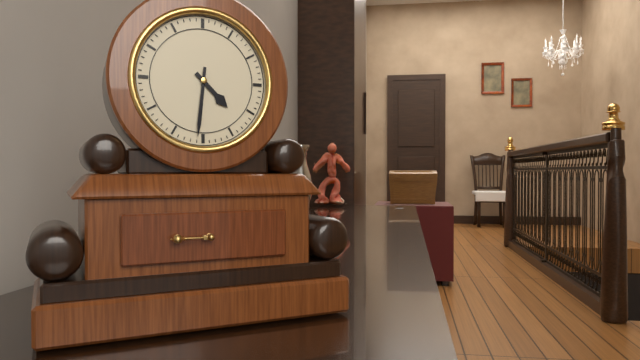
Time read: 4,31
